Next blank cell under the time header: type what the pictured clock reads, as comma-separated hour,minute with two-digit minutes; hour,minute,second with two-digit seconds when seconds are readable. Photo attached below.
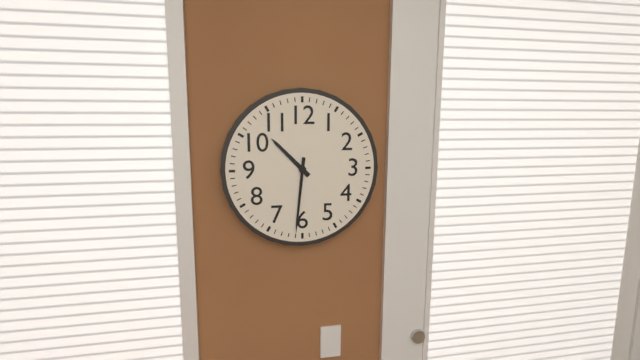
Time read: 10,31
